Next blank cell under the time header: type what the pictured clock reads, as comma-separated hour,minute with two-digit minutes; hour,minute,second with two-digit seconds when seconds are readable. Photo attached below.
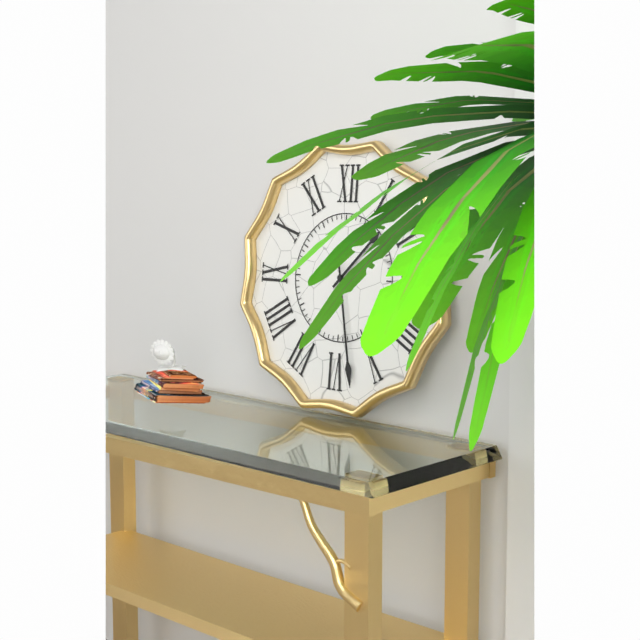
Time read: 1,28
